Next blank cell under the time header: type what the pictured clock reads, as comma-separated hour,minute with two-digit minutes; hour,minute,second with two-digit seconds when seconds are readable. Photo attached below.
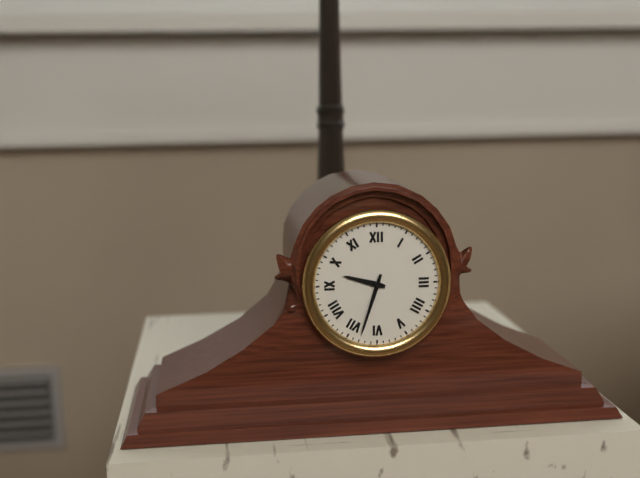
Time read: 9,33
